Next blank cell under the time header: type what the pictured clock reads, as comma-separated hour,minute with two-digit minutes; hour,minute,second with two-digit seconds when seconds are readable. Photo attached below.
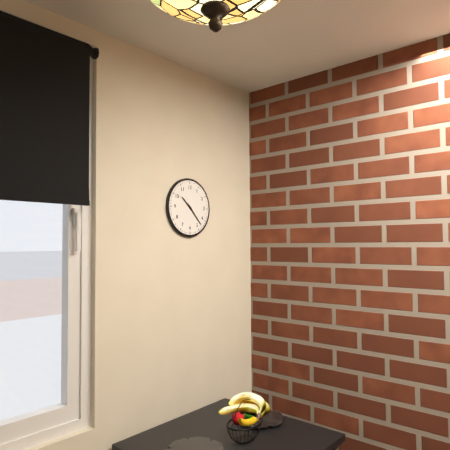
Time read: 10,23
